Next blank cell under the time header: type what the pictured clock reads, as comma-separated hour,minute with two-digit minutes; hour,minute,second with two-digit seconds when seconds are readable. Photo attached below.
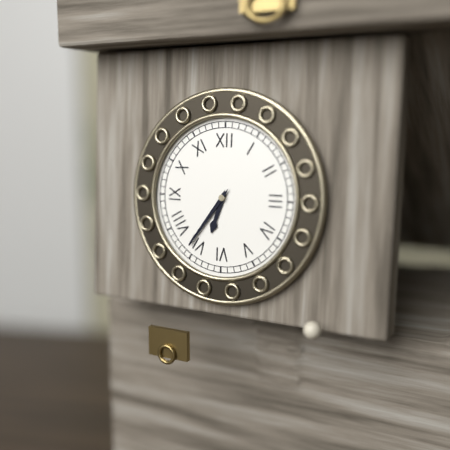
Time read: 6,36
